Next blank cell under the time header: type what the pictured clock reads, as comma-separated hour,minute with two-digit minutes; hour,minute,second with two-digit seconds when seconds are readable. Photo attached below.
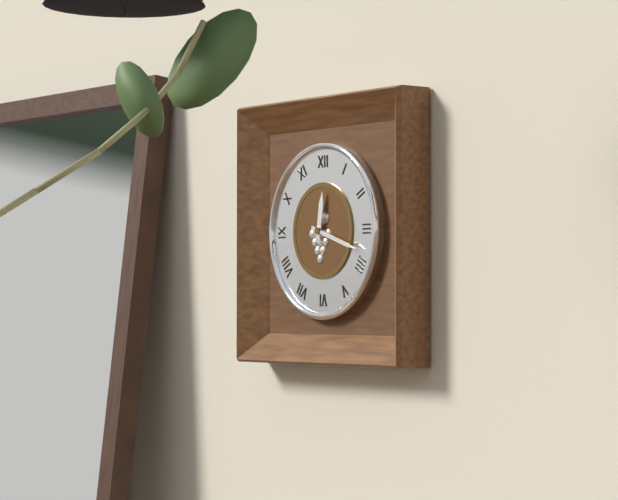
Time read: 12,18
